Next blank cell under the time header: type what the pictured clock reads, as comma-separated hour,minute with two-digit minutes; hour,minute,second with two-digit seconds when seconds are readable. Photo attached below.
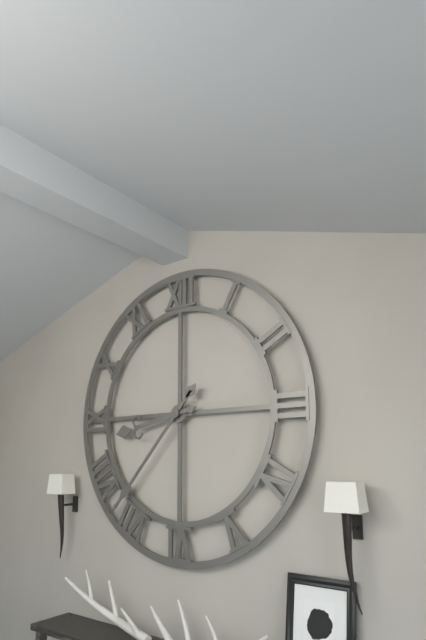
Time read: 8,37
